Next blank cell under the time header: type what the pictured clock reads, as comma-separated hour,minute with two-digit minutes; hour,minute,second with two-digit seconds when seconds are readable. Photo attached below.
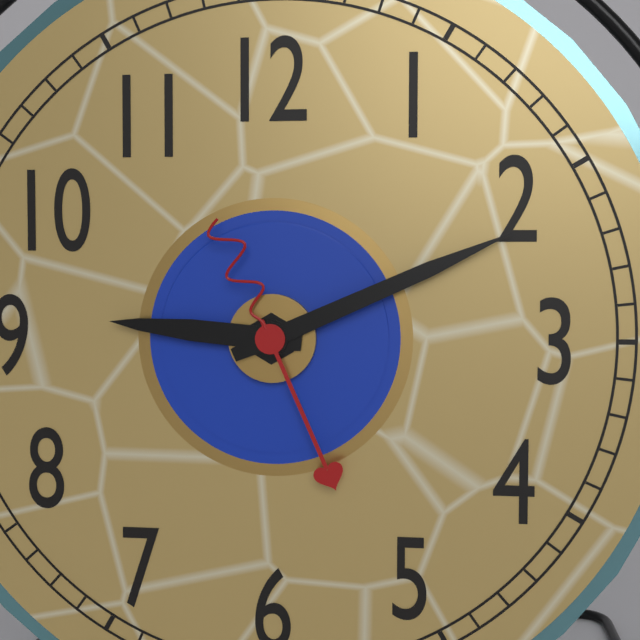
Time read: 9,11,26
